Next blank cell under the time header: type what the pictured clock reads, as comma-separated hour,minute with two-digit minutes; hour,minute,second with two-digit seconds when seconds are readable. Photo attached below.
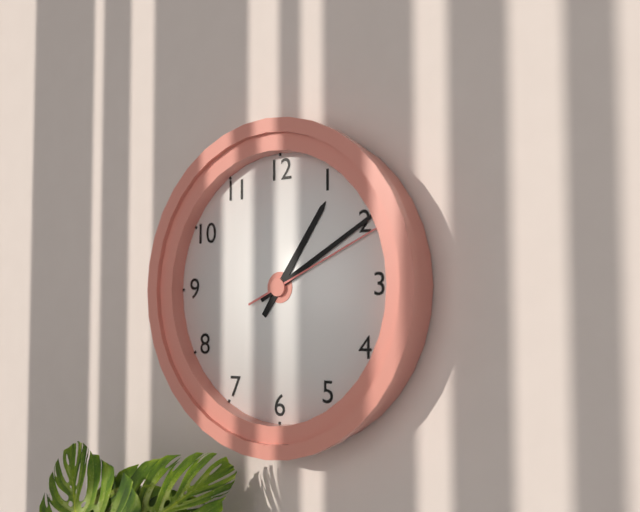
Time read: 1,10,11
